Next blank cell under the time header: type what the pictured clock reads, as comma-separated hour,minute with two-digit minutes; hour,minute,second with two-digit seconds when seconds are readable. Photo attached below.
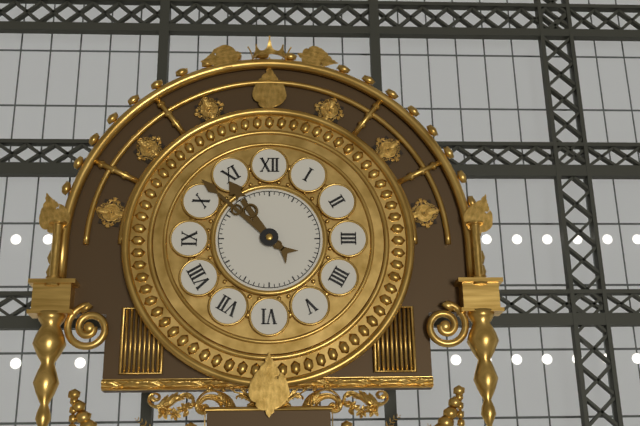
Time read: 10,52
